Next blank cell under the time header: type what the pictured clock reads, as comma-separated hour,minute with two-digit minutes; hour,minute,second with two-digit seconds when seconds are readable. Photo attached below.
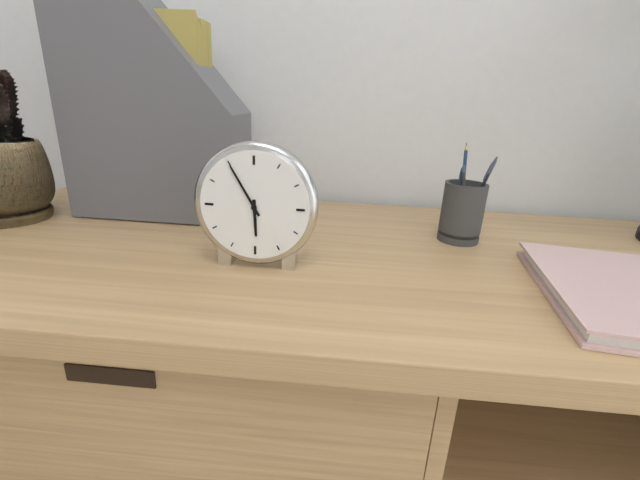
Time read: 5,55
